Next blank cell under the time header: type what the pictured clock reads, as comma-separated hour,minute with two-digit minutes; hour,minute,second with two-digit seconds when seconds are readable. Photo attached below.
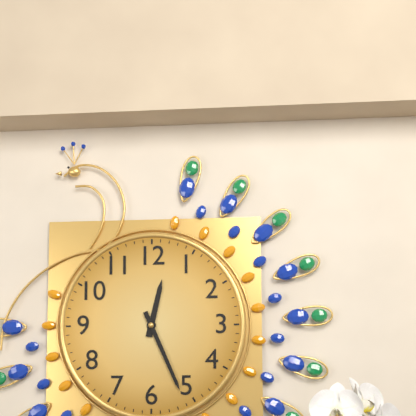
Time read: 12,26
